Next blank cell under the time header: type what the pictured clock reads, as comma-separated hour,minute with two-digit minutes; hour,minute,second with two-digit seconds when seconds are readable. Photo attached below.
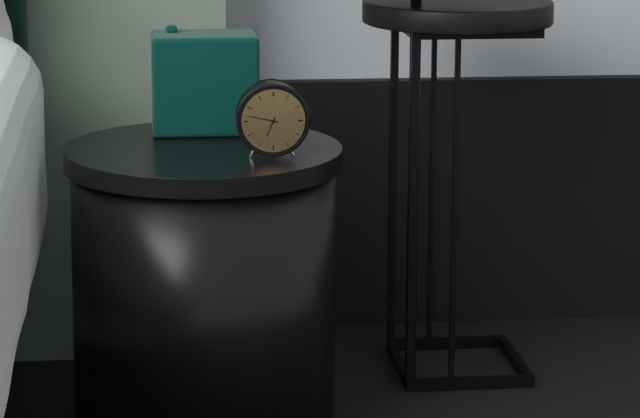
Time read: 6,47
